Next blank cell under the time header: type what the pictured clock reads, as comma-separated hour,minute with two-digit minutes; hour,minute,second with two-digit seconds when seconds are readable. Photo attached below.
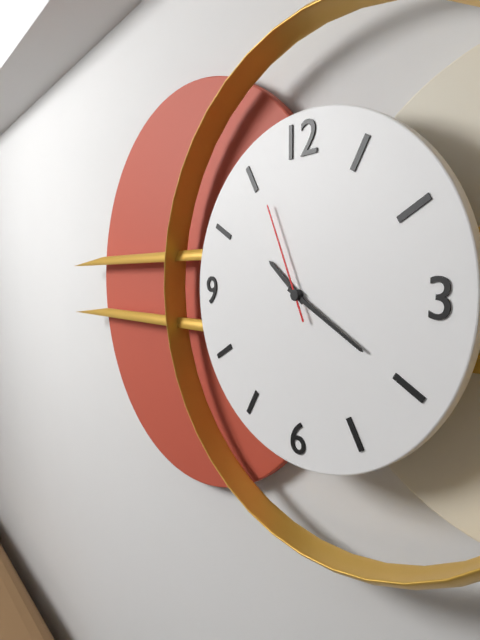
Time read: 10,20,56
